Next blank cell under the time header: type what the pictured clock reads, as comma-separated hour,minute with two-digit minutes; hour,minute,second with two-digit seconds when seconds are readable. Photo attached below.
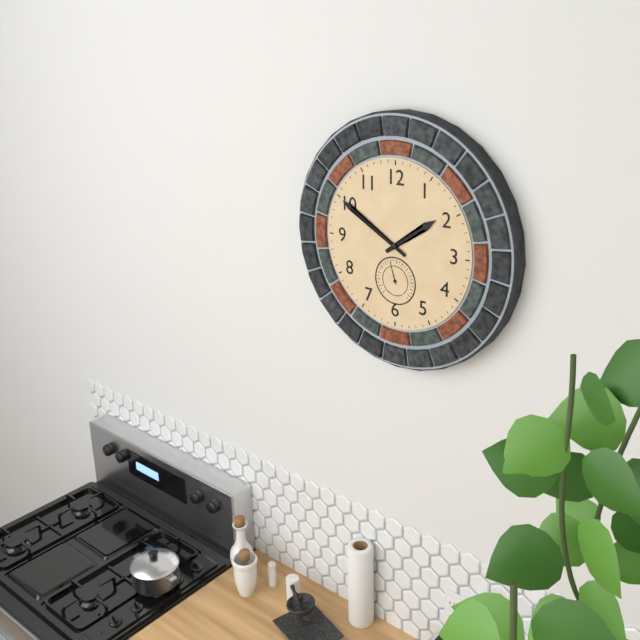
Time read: 1,50
